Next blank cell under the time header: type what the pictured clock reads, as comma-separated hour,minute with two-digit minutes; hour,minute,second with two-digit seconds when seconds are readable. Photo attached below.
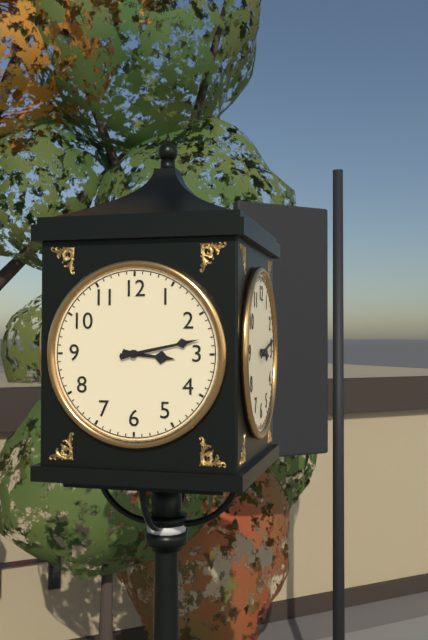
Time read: 3,13
